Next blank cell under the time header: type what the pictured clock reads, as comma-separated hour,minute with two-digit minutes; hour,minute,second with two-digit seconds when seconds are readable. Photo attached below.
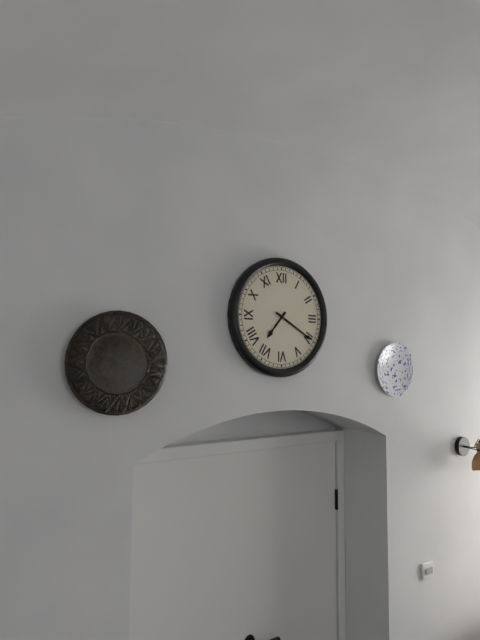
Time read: 7,20
